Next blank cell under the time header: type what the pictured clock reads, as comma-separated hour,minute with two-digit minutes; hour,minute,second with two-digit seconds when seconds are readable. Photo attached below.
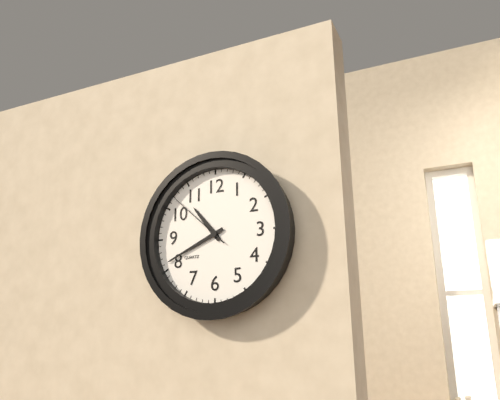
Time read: 10,41,52
